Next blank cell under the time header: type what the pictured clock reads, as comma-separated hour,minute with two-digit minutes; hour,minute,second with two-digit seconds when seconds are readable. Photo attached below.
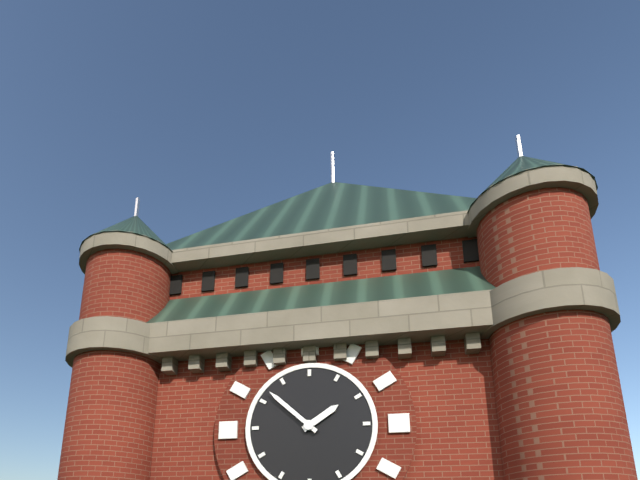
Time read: 1,52
